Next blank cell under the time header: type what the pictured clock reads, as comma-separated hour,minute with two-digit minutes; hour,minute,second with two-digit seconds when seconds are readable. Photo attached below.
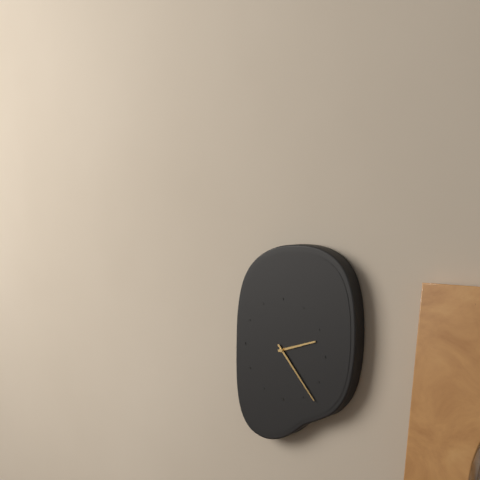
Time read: 2,23
